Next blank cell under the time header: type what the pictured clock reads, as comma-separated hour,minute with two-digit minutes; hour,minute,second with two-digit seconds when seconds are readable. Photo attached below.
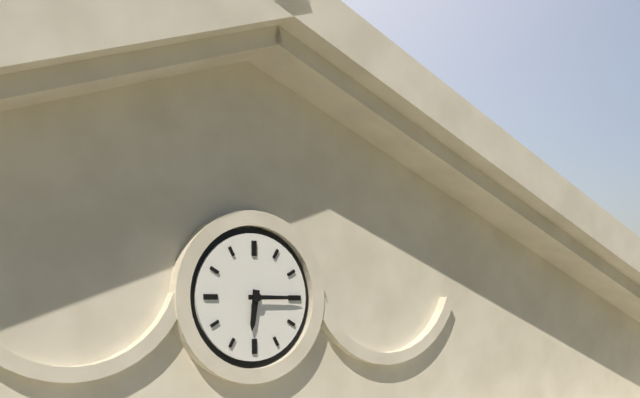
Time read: 6,15
